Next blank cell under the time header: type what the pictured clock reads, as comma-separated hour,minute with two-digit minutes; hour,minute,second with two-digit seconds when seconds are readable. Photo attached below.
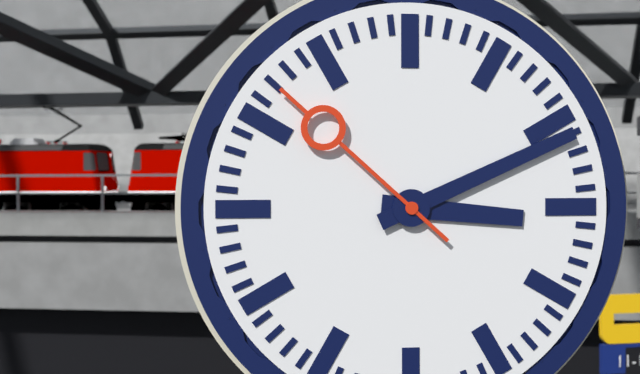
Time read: 3,11,52
